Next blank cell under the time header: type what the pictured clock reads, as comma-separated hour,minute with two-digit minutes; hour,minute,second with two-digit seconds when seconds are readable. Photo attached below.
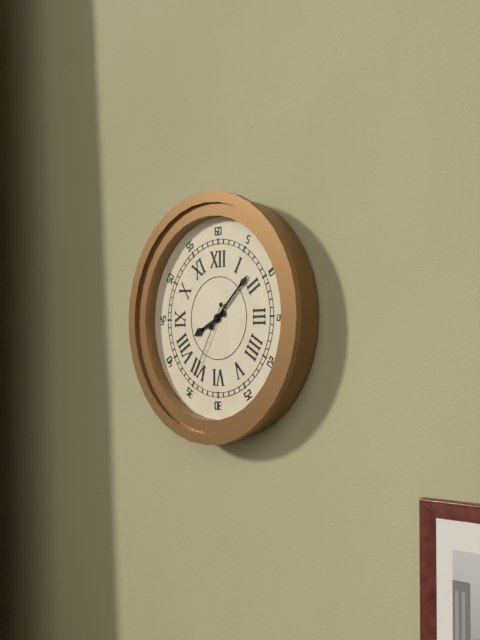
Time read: 8,08,35
